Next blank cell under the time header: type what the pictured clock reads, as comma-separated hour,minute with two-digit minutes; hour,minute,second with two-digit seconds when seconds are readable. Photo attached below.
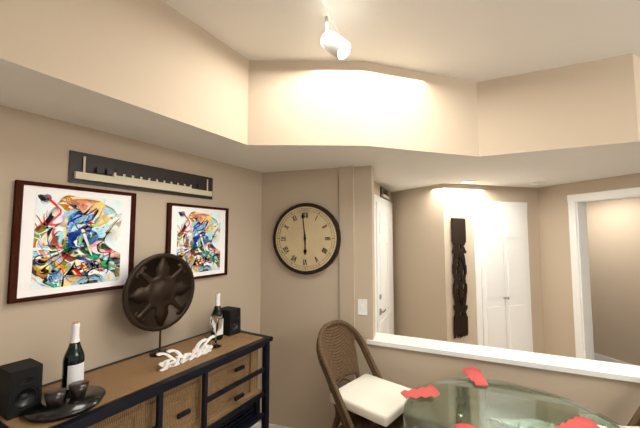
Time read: 5,59
